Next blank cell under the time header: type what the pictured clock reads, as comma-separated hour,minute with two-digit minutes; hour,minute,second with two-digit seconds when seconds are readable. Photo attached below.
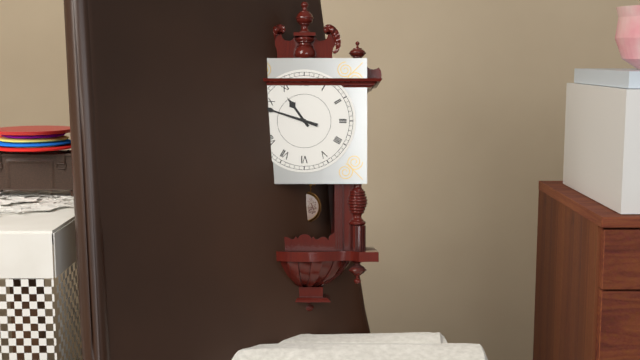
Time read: 10,48
